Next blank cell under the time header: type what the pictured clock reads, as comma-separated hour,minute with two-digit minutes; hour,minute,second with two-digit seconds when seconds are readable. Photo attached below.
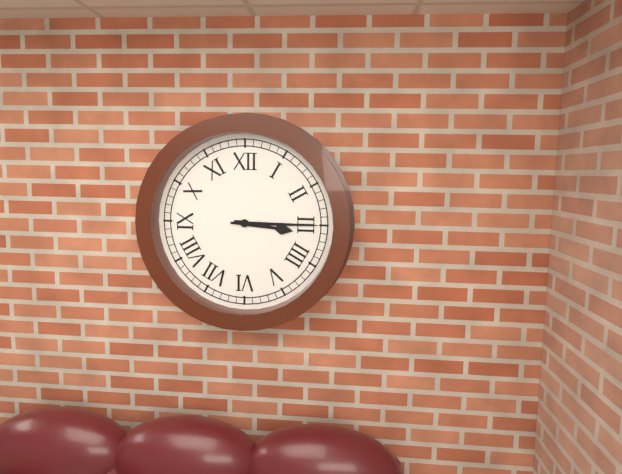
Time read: 3,15
